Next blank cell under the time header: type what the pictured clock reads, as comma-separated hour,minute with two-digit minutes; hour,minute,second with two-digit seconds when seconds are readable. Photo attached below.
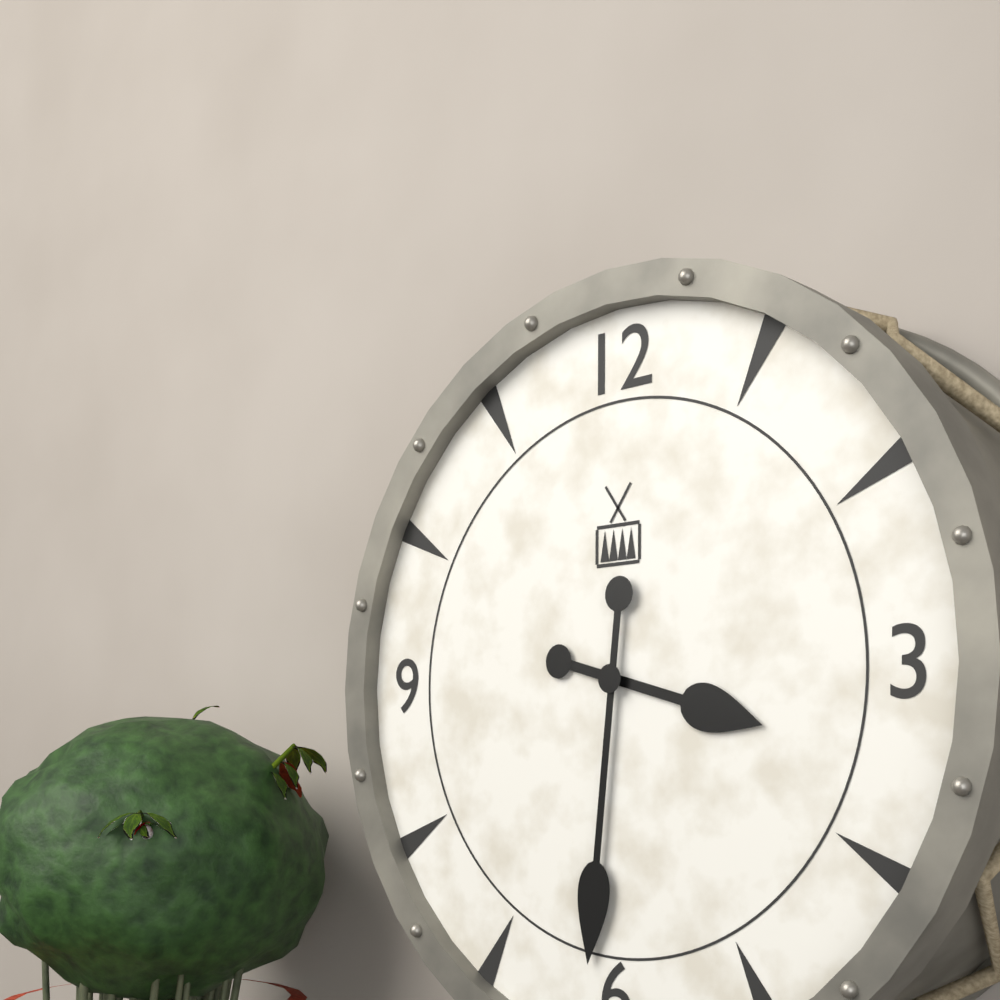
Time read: 3,31
